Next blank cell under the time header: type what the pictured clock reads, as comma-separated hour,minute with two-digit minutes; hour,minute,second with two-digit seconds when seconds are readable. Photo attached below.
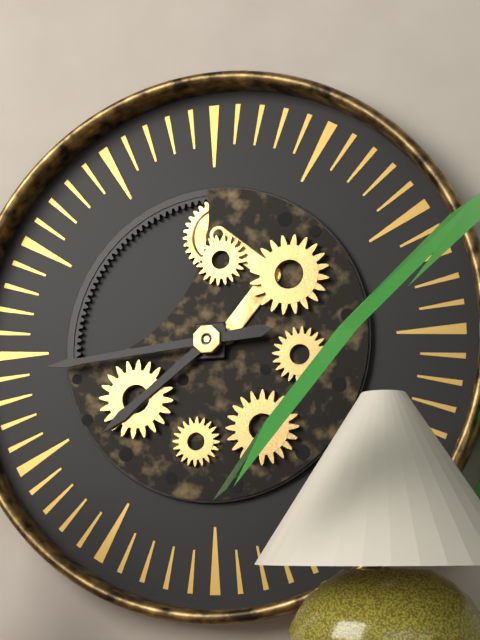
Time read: 7,44
